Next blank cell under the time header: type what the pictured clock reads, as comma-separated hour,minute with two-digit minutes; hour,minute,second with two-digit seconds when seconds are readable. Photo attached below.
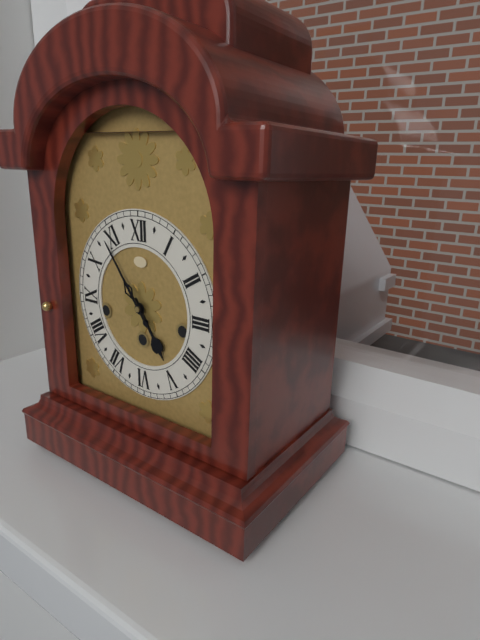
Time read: 4,54
